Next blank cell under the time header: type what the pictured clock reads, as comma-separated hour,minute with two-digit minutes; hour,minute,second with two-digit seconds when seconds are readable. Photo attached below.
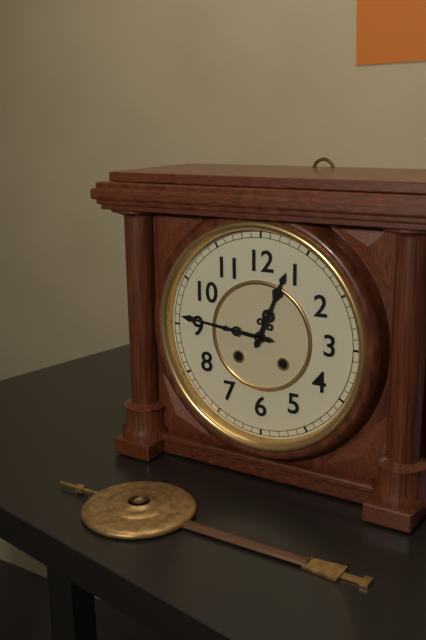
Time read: 12,46
